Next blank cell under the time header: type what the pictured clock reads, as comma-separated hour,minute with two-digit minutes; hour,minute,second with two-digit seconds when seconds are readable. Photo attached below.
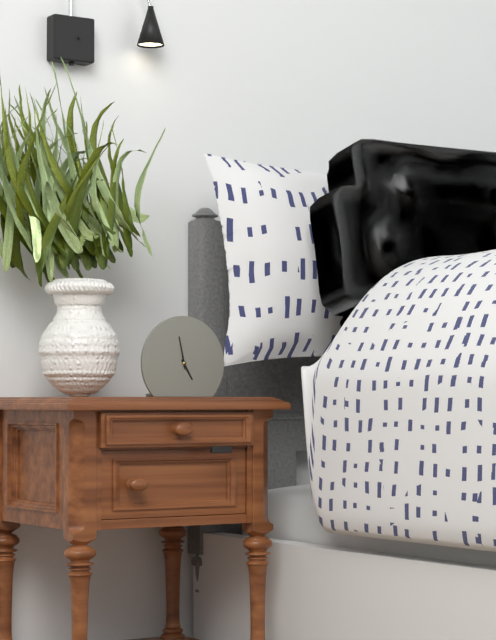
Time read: 4,58
